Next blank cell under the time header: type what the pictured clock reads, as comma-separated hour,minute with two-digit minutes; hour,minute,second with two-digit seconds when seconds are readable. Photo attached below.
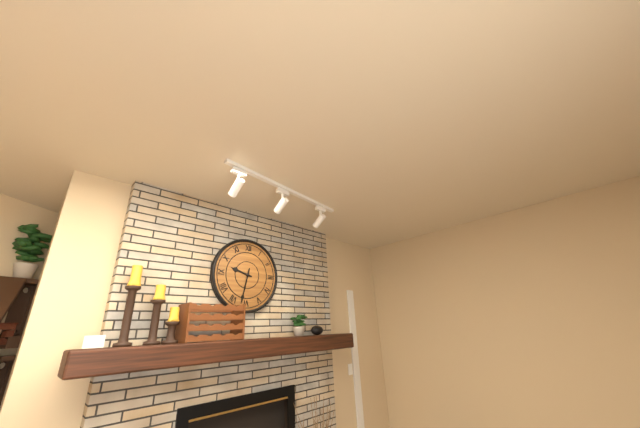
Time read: 9,32
